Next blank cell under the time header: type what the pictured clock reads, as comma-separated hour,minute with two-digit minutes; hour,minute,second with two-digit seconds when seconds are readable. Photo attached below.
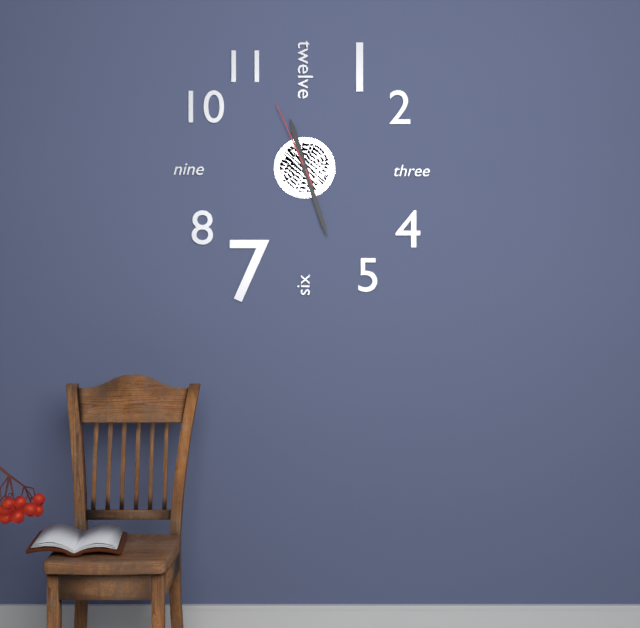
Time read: 11,27,56
